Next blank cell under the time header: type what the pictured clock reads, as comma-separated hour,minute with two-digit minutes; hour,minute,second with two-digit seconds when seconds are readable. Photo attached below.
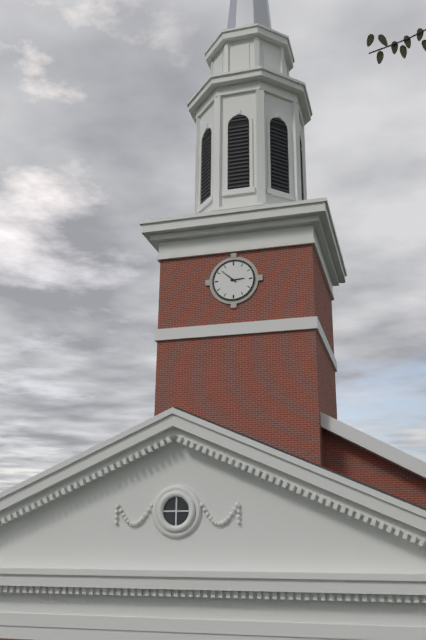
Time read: 2,52
